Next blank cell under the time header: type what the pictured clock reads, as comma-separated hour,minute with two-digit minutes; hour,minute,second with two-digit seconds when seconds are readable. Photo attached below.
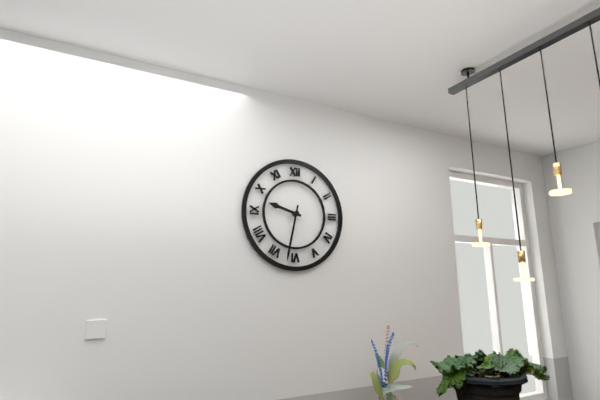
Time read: 9,32
